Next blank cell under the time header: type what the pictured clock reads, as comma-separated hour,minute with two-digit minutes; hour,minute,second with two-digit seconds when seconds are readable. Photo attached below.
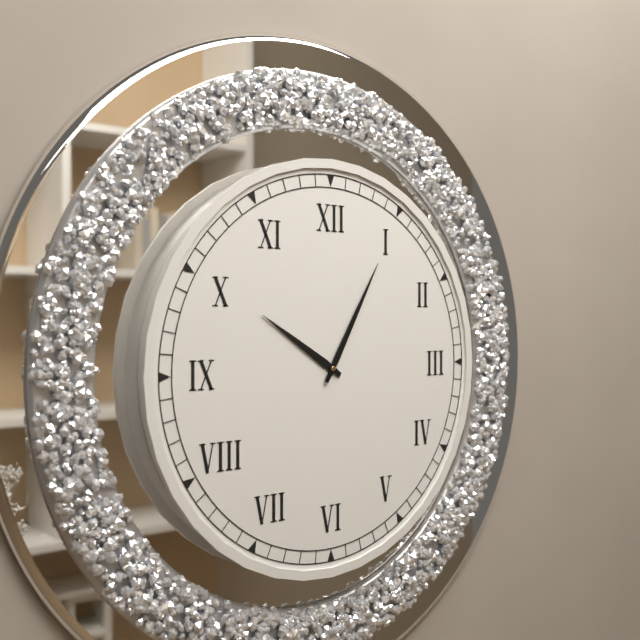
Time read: 10,05
